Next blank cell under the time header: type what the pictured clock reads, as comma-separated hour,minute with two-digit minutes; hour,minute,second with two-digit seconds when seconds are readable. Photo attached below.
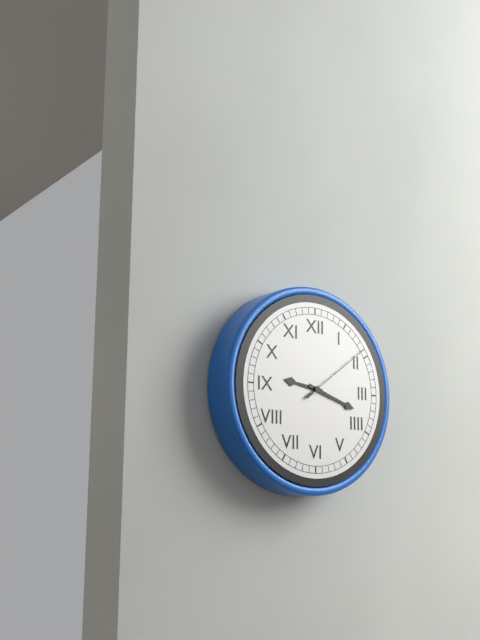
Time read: 9,18,09
